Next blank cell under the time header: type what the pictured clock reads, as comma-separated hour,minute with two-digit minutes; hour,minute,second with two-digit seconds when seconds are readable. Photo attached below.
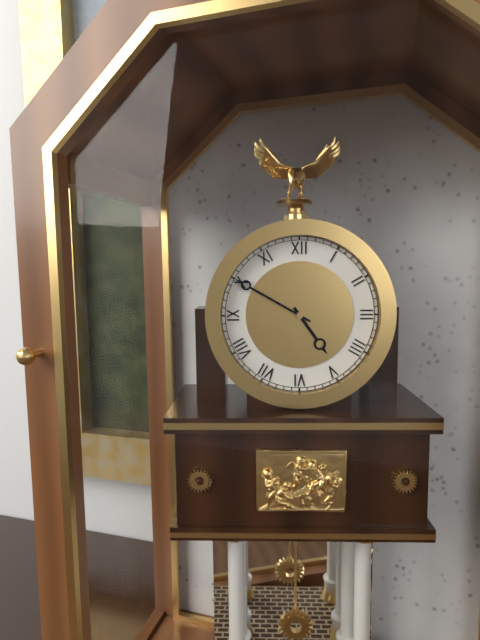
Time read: 4,50
